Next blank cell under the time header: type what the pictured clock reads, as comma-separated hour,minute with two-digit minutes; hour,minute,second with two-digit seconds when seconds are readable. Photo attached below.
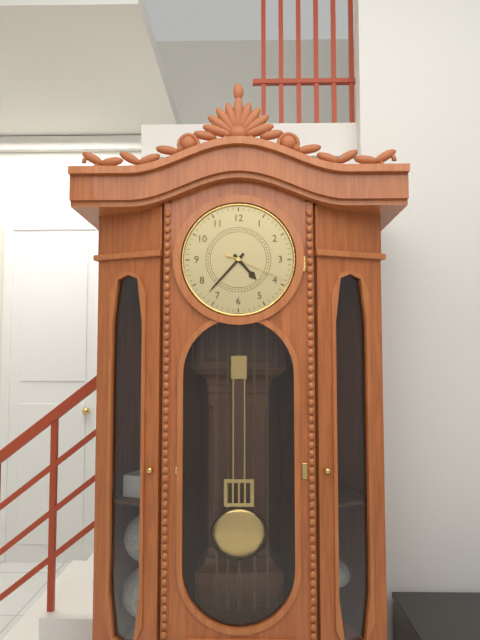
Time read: 4,37,19
